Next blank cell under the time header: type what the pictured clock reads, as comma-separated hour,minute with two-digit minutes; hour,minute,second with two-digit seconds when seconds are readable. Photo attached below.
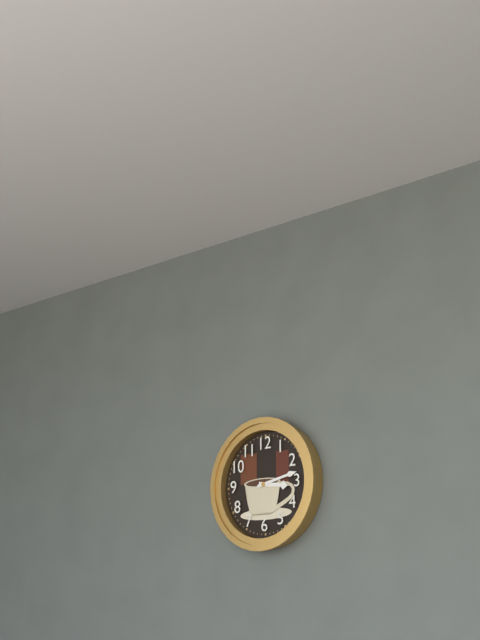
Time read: 3,13
